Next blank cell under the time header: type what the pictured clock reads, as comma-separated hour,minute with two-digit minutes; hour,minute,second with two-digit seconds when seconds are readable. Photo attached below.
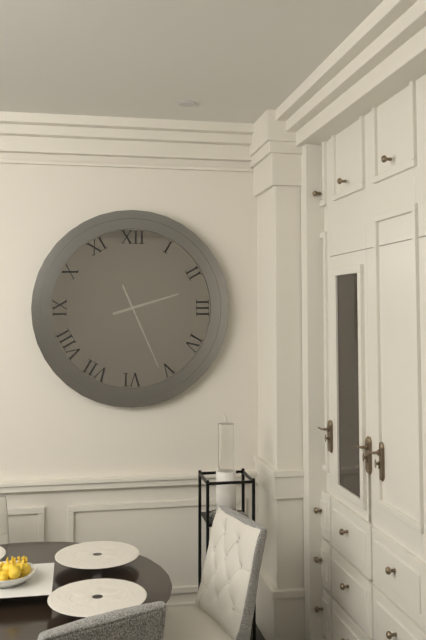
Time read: 2,26
